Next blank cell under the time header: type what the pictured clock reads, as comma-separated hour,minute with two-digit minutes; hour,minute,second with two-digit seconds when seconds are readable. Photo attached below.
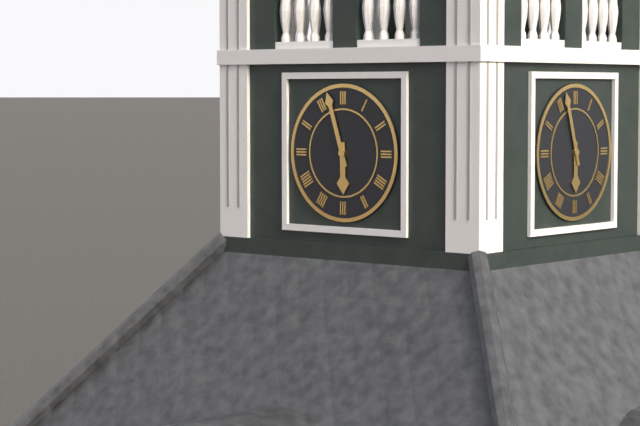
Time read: 5,57
